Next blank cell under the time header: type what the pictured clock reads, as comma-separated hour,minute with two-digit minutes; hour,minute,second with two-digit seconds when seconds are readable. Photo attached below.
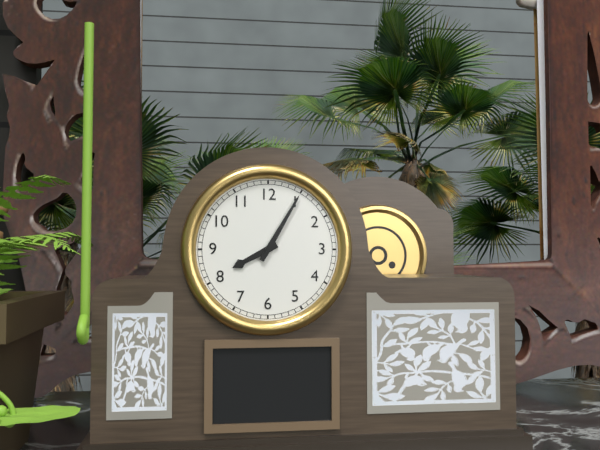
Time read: 8,05
